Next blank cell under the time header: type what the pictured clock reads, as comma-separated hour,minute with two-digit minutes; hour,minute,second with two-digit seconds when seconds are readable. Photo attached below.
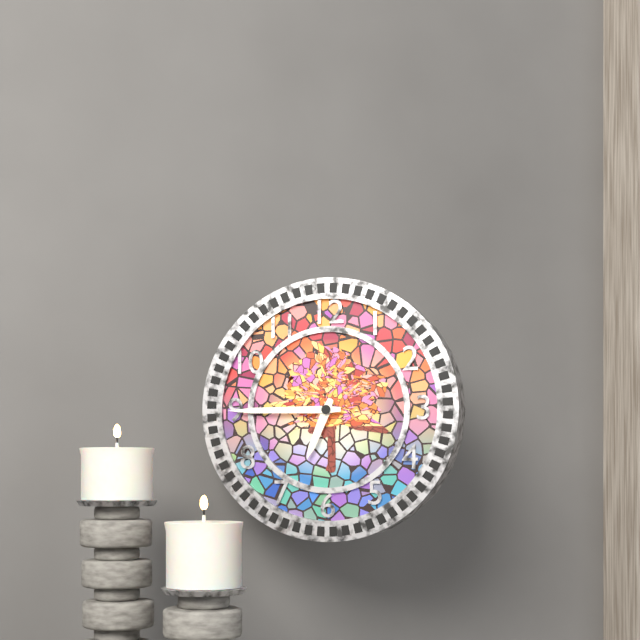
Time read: 6,45
